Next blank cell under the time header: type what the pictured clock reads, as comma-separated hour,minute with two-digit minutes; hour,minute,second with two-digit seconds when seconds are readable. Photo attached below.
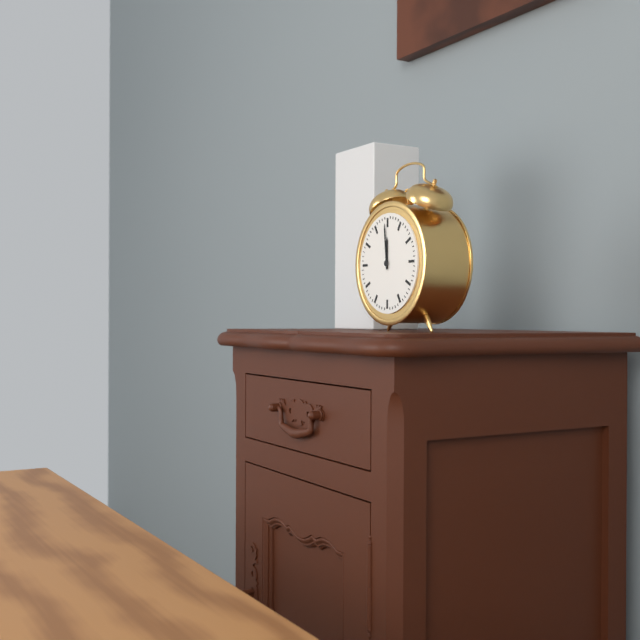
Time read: 11,59
